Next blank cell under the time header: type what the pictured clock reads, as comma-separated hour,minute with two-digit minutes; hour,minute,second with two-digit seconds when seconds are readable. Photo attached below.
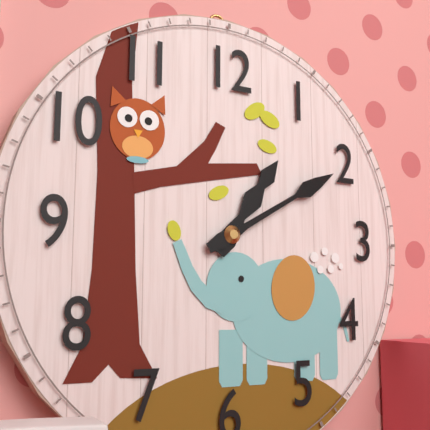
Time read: 1,10
